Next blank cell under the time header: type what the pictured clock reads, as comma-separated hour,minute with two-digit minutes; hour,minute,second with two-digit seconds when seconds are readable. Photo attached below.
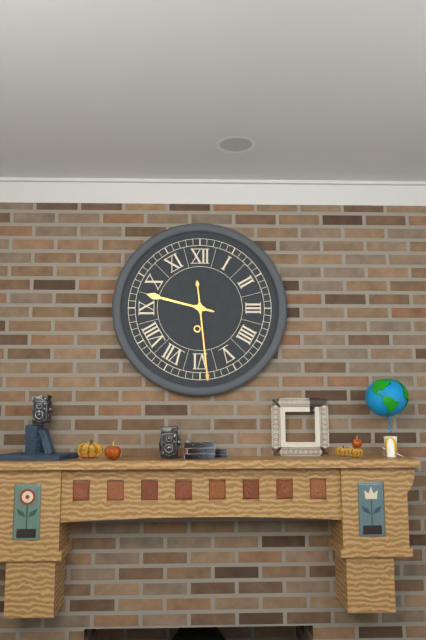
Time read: 9,29
